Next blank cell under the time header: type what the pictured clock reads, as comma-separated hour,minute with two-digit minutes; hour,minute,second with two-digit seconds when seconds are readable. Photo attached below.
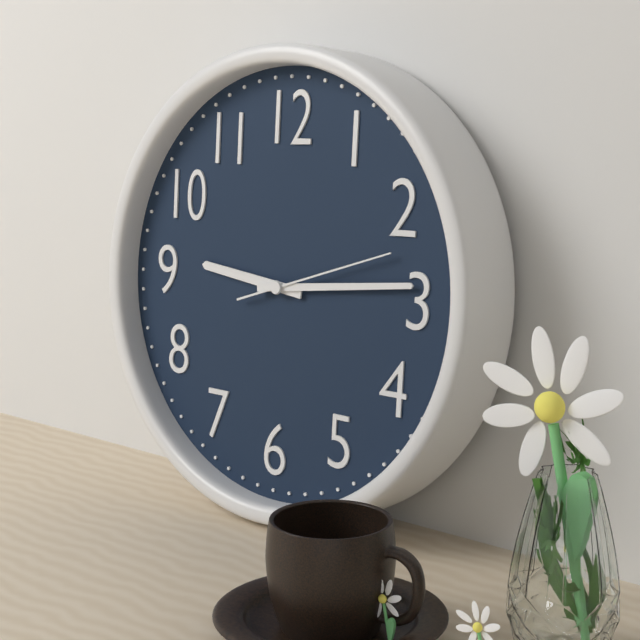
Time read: 9,14,12
